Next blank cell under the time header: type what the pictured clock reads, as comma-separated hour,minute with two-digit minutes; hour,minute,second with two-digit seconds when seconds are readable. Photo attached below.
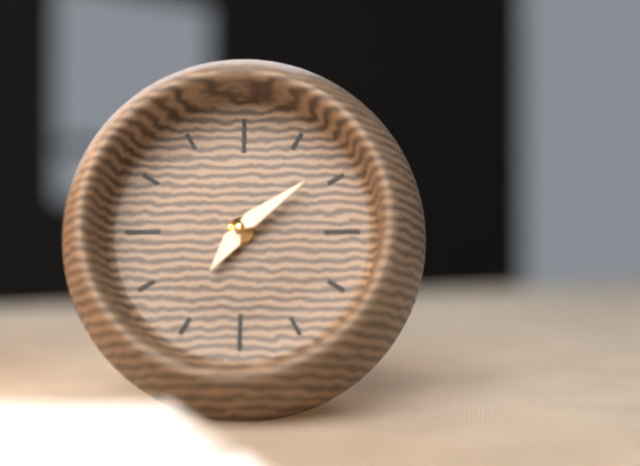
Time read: 7,09
